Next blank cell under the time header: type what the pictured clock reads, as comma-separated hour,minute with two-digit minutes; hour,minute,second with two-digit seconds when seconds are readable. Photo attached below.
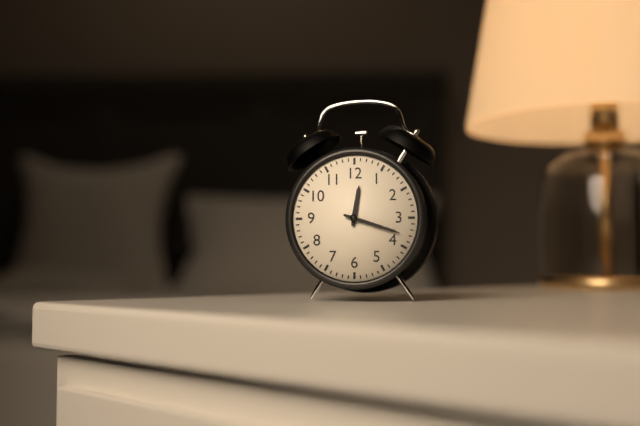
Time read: 12,18
